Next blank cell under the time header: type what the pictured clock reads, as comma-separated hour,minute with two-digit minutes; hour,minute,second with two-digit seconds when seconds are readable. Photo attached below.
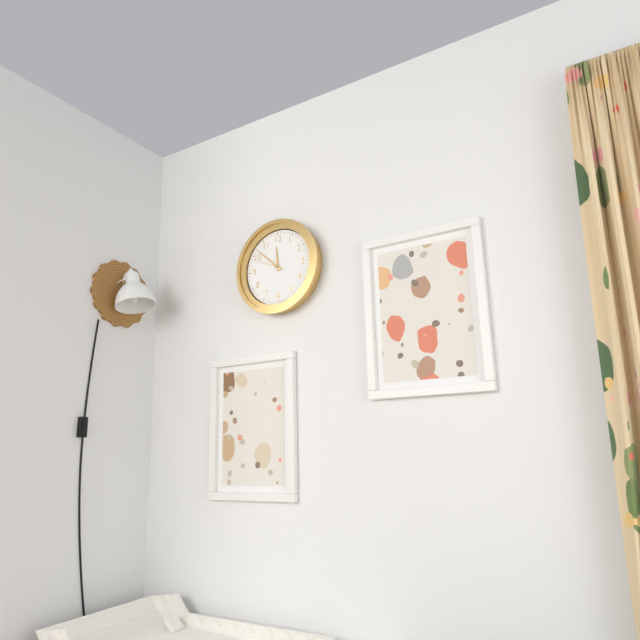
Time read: 11,52
